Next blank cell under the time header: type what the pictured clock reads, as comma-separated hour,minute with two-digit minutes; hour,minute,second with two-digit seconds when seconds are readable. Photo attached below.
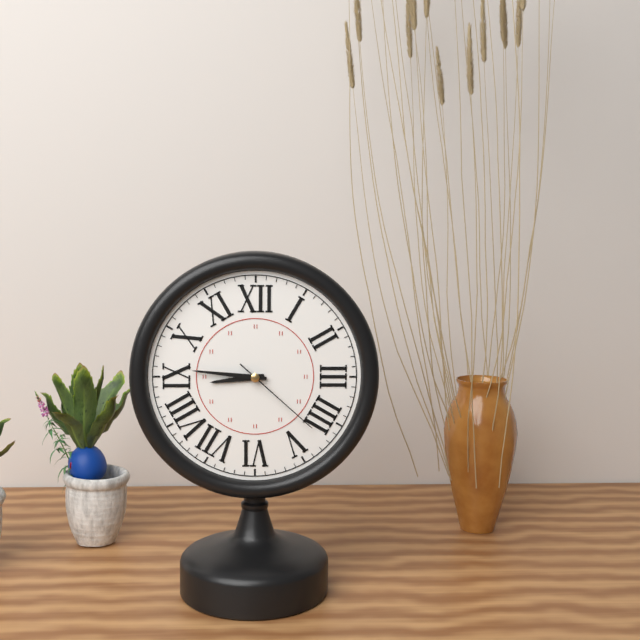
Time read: 8,46,22
